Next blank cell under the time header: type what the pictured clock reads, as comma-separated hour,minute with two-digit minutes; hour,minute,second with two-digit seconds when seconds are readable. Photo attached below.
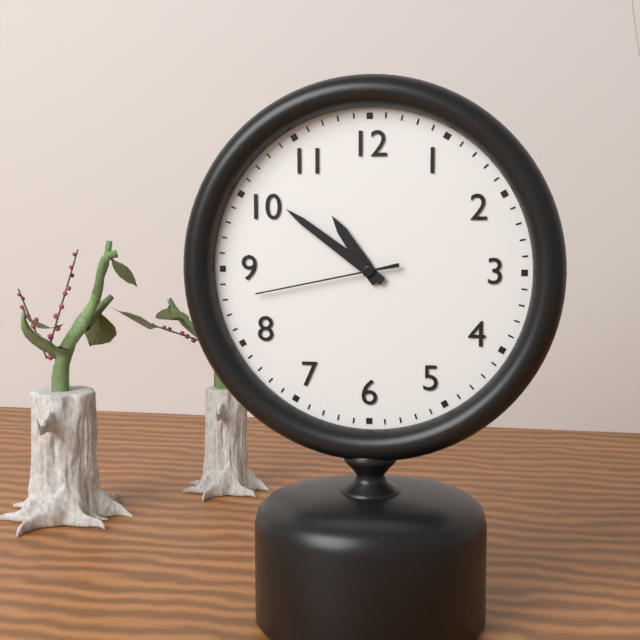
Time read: 10,51,43
